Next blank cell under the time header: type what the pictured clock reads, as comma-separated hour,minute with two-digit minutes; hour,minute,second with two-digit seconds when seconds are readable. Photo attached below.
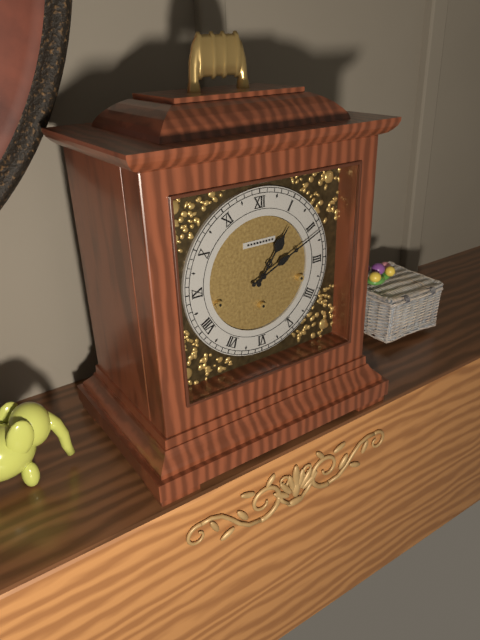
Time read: 1,11
